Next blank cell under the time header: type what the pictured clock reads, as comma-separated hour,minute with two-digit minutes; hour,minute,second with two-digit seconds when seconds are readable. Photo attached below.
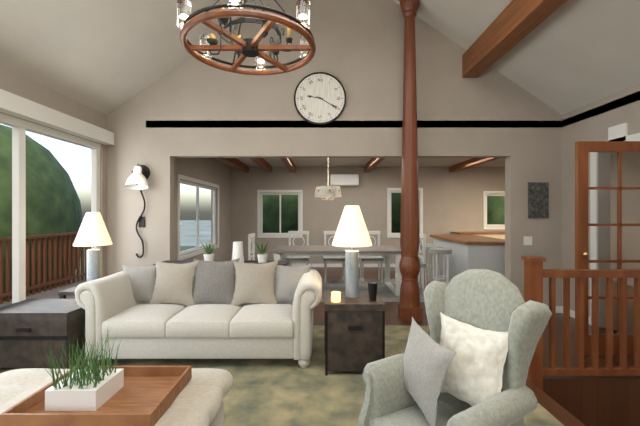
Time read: 9,20
